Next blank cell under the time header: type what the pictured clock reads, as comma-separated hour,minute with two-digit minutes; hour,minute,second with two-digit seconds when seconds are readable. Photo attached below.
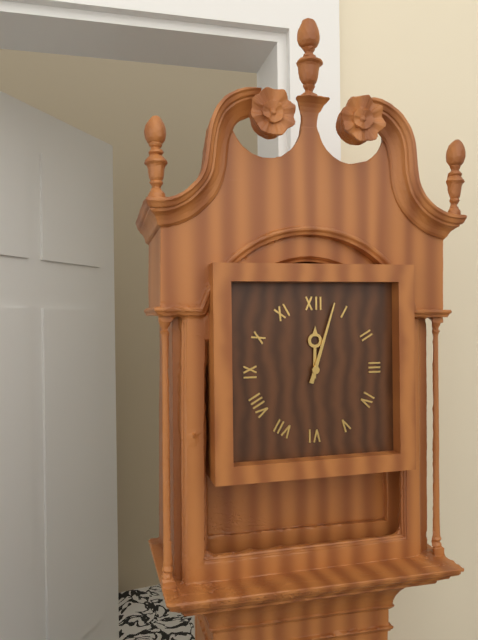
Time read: 12,03
